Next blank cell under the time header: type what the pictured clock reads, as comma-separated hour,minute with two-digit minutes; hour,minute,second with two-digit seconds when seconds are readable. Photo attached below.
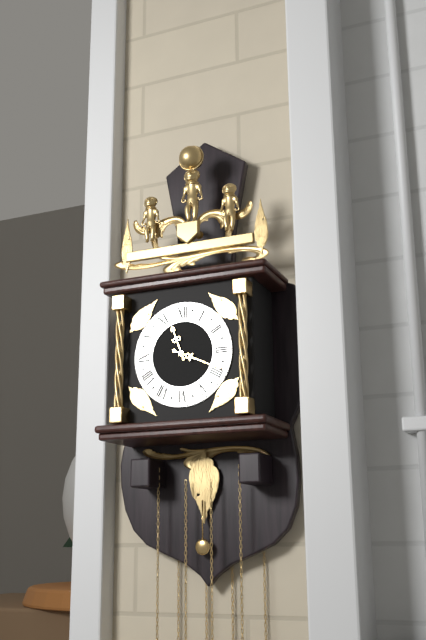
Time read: 11,19
